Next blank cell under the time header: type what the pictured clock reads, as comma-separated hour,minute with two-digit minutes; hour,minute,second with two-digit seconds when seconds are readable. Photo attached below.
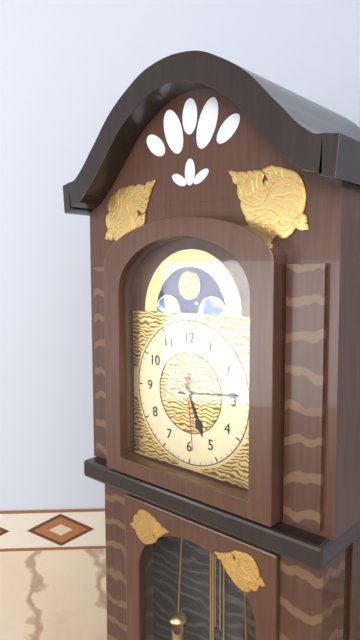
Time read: 5,14,29
